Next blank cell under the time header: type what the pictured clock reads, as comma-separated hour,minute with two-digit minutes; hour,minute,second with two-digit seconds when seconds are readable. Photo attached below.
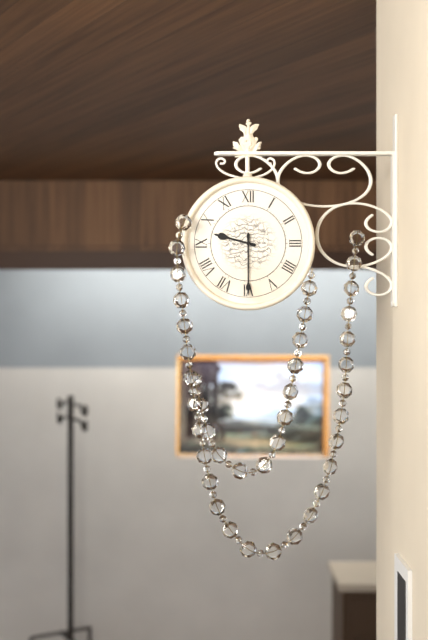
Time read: 9,30
